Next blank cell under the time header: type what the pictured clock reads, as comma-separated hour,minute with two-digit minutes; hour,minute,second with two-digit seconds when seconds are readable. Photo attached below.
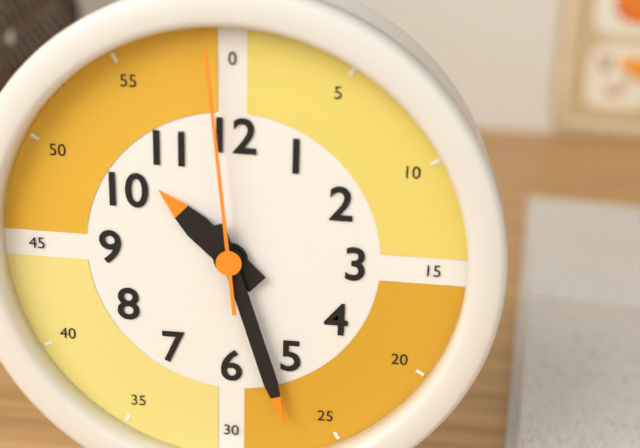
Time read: 10,27,59
